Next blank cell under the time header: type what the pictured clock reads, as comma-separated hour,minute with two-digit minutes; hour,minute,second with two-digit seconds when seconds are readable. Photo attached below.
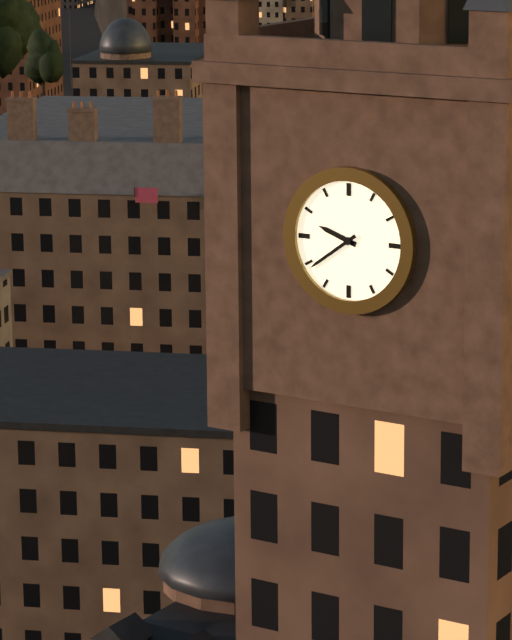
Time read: 9,39
